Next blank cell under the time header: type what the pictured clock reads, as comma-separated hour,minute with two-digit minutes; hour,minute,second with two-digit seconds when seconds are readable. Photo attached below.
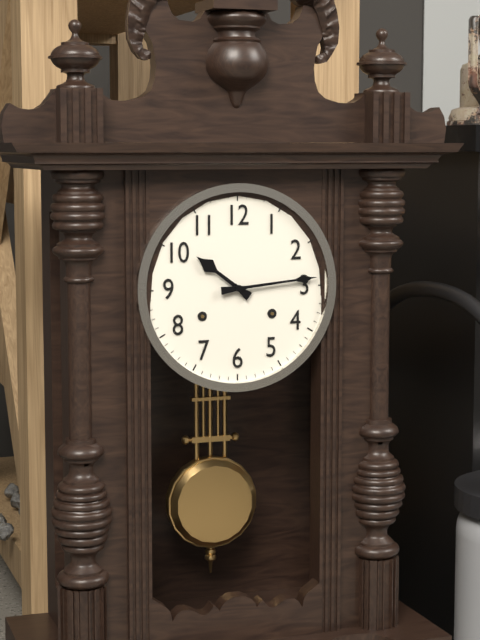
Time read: 10,14
